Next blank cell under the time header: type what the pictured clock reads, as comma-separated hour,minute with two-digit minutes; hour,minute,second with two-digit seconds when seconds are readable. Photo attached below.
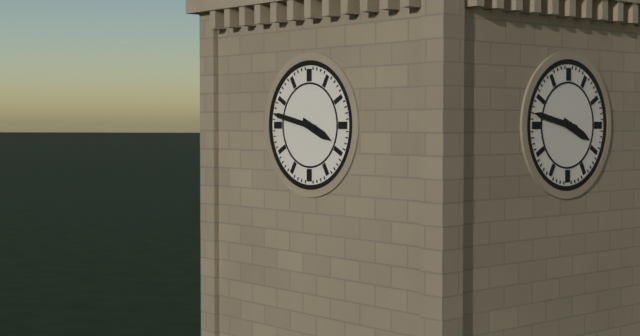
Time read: 3,47
